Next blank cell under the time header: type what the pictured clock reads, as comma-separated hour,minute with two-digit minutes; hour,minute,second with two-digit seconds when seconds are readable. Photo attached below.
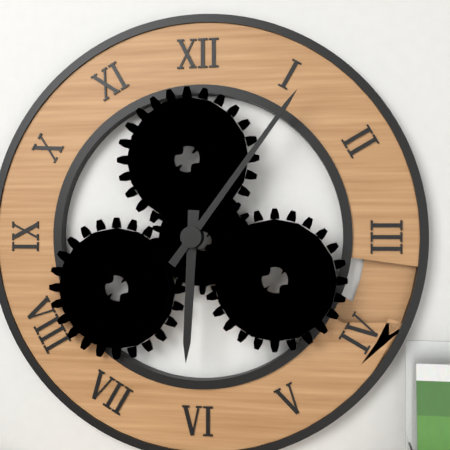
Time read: 6,06
